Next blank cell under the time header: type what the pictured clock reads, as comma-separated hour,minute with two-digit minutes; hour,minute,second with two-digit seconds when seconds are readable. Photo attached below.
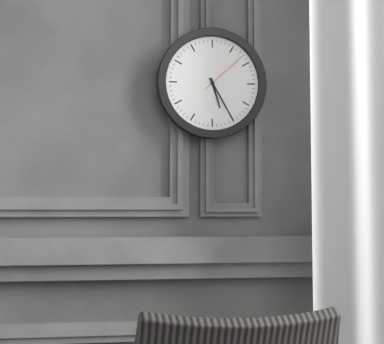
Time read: 5,25,08
